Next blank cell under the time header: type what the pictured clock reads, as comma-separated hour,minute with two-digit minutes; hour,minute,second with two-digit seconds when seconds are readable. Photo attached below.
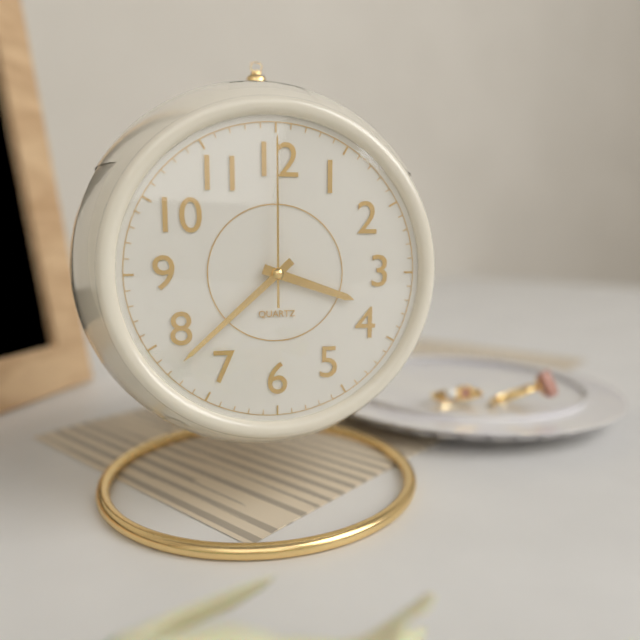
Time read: 3,38,00
